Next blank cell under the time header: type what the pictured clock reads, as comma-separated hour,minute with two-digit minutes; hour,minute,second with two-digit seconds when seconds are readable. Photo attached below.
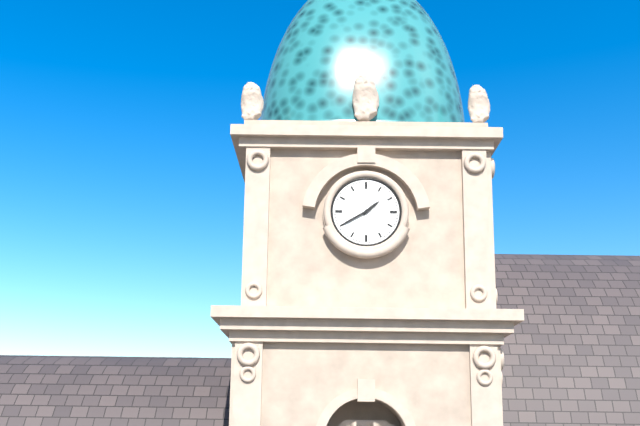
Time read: 1,40
